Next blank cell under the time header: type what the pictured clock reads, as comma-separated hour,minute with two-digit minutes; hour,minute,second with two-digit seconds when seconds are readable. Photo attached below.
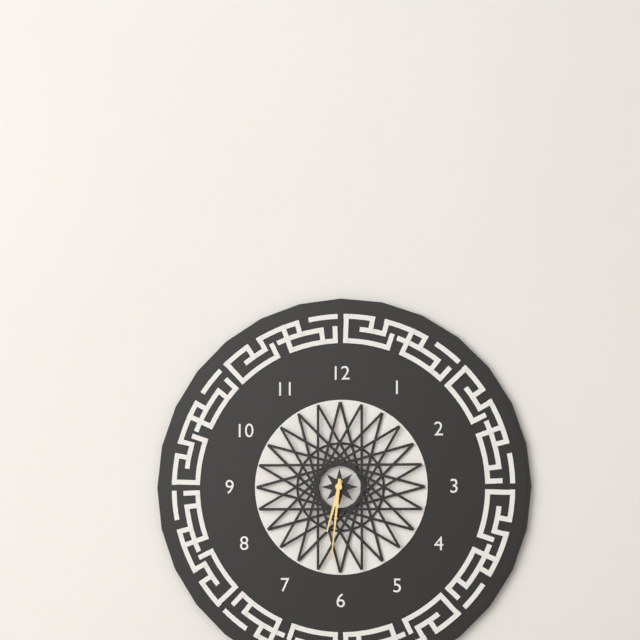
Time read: 6,31
